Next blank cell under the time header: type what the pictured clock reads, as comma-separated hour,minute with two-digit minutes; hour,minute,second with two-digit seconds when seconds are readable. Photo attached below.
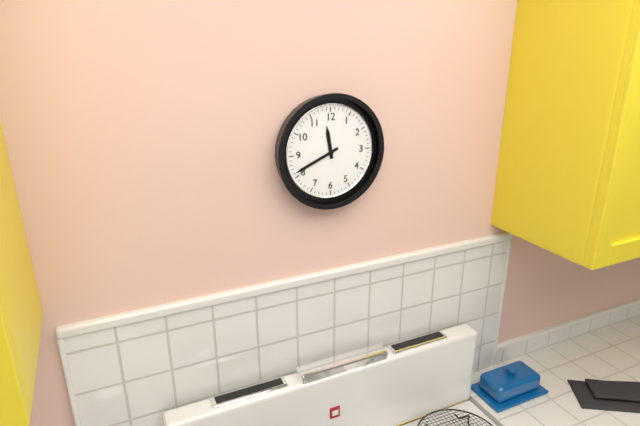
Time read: 11,41
